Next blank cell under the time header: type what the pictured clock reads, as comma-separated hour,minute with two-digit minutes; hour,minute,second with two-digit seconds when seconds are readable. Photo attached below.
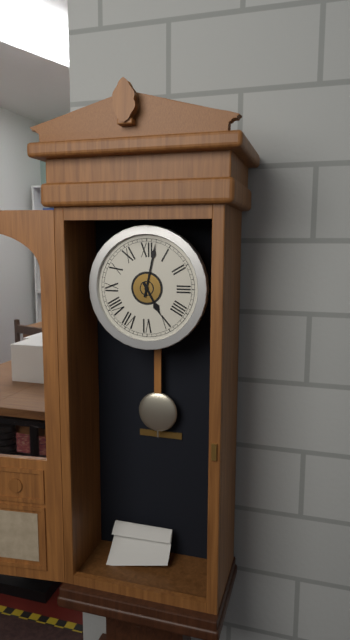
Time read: 5,02
